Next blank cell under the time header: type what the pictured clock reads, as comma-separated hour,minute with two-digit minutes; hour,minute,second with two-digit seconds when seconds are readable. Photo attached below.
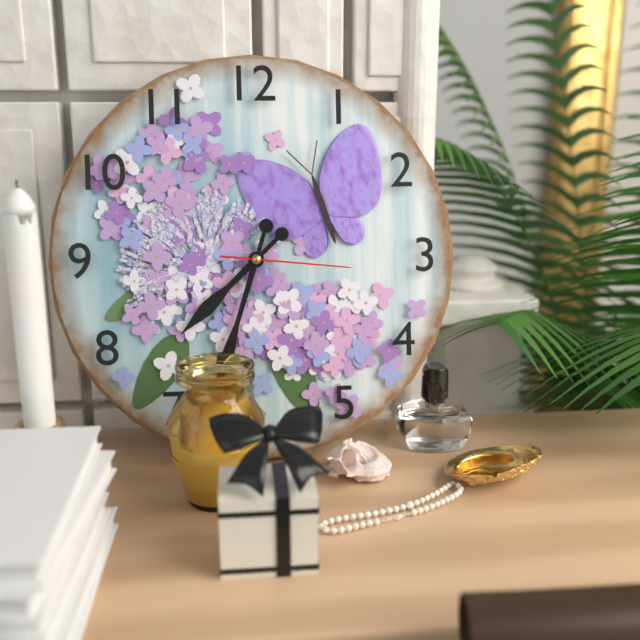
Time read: 7,33,16
